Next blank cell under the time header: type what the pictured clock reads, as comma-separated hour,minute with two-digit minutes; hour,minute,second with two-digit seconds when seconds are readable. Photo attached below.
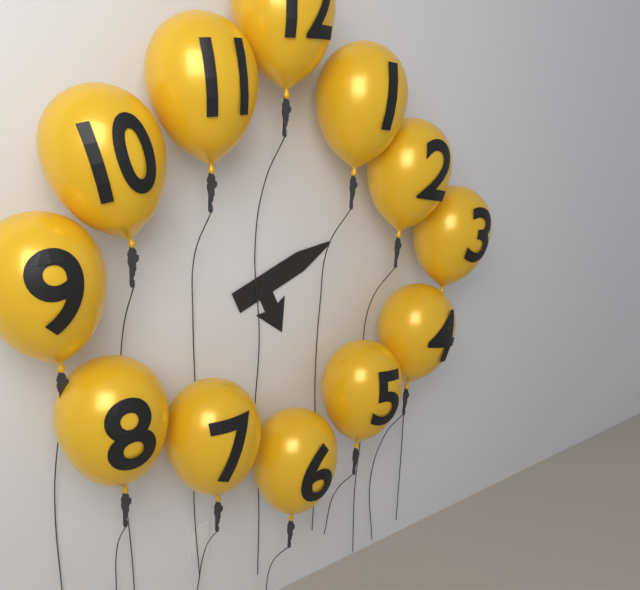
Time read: 5,11
